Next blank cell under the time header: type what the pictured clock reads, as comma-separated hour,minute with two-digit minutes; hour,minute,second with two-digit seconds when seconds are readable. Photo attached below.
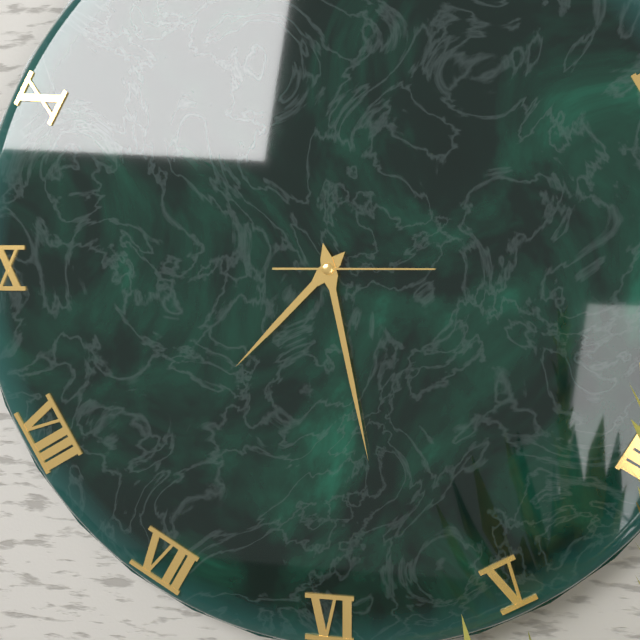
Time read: 7,28,15
